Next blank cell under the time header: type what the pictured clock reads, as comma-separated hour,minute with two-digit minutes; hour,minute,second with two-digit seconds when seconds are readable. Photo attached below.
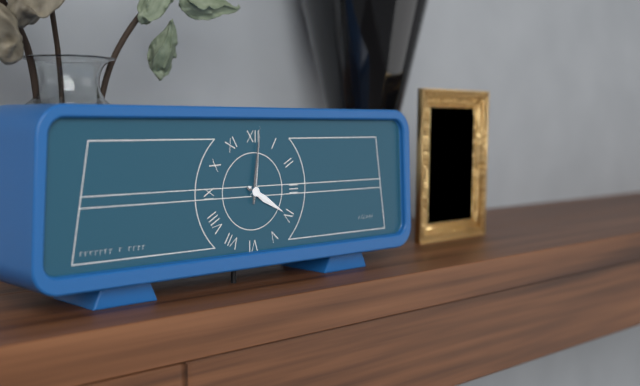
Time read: 4,01
